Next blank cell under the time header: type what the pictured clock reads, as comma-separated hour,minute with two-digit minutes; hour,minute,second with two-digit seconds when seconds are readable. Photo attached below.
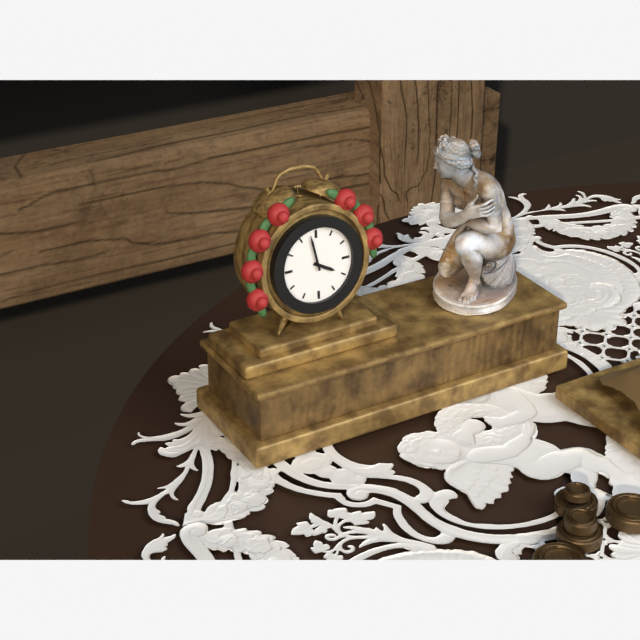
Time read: 3,58
